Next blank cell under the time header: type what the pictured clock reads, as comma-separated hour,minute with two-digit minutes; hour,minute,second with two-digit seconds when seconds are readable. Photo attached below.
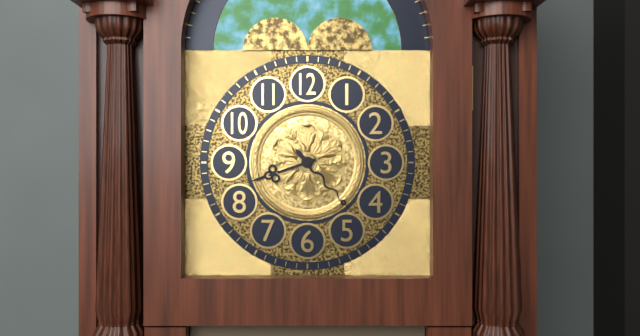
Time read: 8,23
